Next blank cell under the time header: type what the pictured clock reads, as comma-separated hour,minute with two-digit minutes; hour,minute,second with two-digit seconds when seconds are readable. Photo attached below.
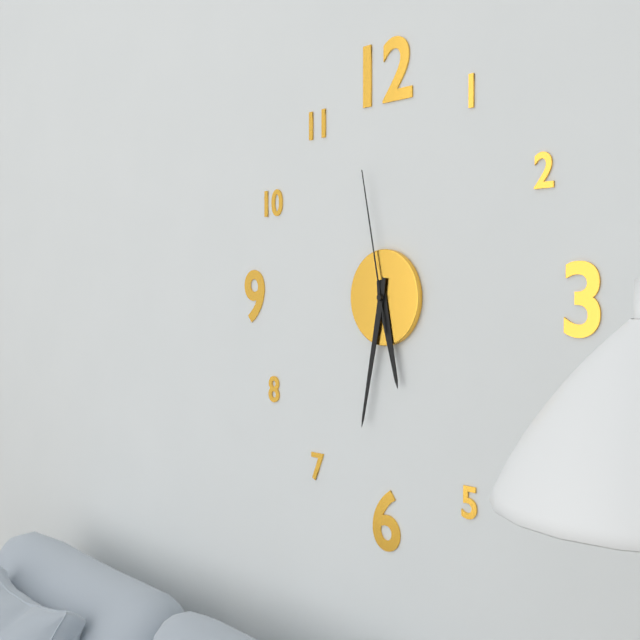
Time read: 5,32,58
